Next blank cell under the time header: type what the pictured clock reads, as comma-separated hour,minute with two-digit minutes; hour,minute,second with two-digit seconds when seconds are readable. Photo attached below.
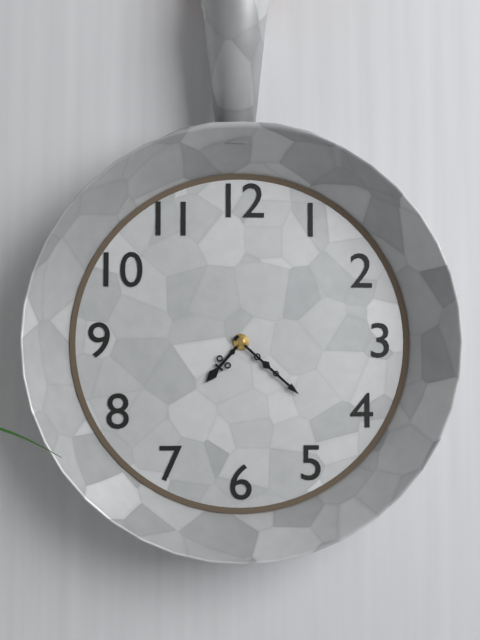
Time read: 7,22
